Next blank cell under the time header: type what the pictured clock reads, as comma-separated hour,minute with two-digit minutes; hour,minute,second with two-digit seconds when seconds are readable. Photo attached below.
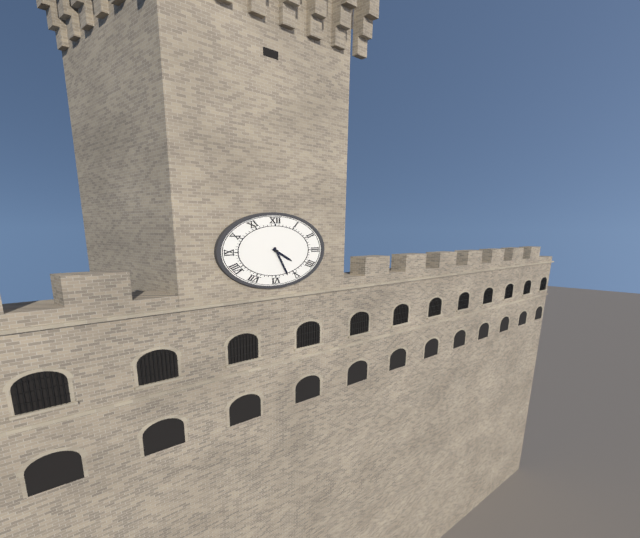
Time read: 4,27
